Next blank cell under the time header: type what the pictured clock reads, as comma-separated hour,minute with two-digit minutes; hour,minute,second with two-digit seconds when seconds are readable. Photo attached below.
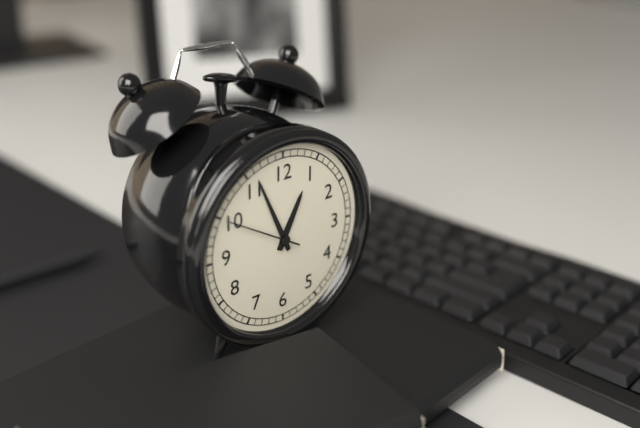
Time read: 12,56,50
